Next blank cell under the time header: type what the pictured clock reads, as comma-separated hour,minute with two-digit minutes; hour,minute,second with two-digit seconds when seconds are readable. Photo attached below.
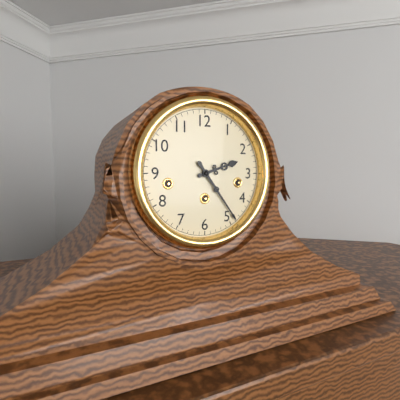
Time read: 2,24
